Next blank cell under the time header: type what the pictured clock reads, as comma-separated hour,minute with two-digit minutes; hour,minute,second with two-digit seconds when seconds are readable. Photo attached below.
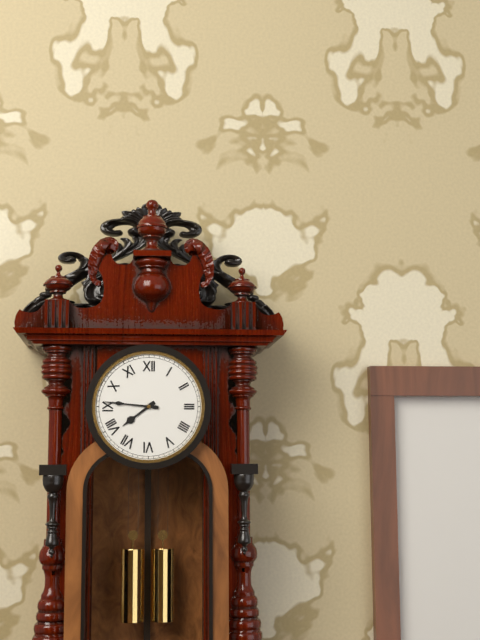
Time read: 7,46
